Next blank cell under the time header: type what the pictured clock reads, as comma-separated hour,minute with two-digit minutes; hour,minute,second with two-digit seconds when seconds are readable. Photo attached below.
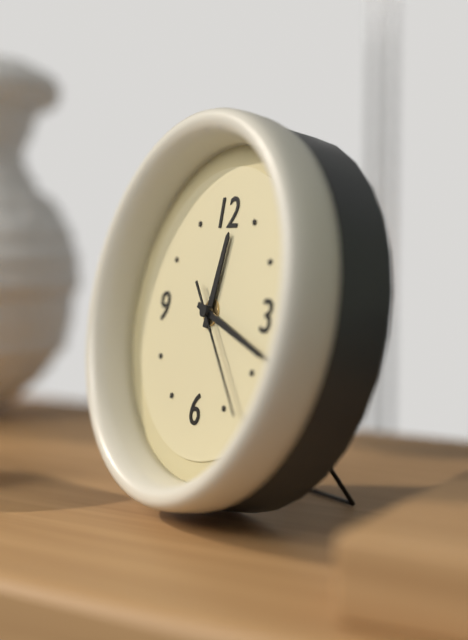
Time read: 12,18,23
